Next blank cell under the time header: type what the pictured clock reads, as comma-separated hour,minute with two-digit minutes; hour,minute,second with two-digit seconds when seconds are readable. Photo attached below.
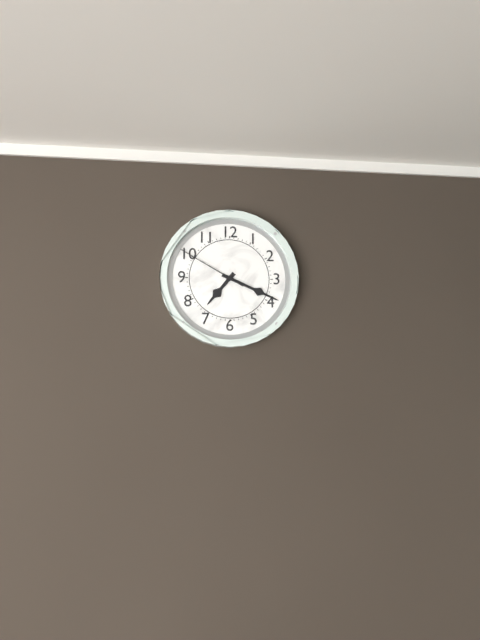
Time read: 7,19,50
